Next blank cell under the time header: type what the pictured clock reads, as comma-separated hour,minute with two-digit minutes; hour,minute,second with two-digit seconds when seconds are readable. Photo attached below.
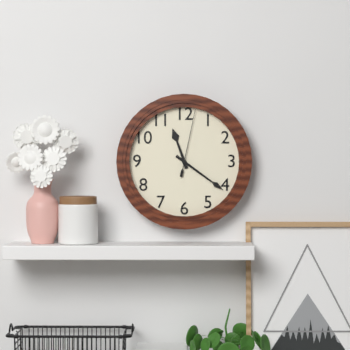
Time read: 11,21,02
